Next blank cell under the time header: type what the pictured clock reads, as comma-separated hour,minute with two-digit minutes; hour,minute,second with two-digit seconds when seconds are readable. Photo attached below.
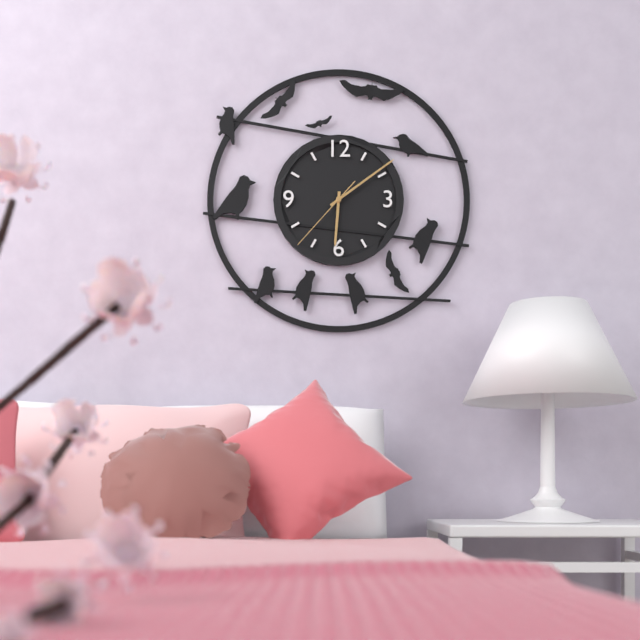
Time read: 6,09,37
